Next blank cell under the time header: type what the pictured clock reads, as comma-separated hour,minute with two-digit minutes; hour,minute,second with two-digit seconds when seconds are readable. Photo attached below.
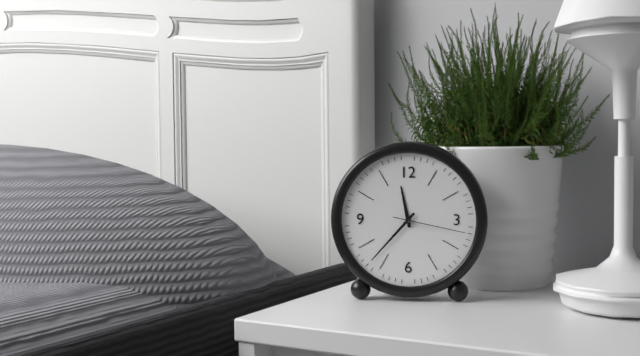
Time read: 11,37,17
